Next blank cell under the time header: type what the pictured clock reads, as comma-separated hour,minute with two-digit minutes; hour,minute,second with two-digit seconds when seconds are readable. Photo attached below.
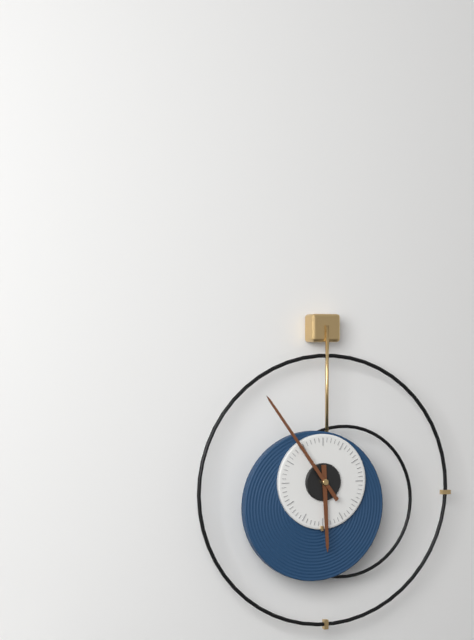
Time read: 5,54
